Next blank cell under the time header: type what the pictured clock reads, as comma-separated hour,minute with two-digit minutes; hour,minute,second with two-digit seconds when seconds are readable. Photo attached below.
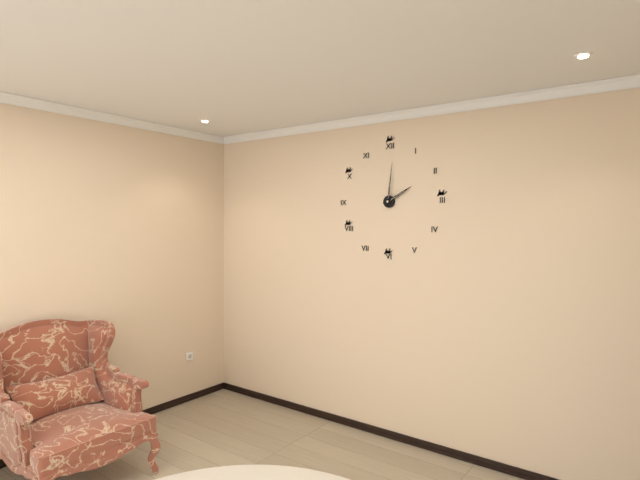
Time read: 2,01
